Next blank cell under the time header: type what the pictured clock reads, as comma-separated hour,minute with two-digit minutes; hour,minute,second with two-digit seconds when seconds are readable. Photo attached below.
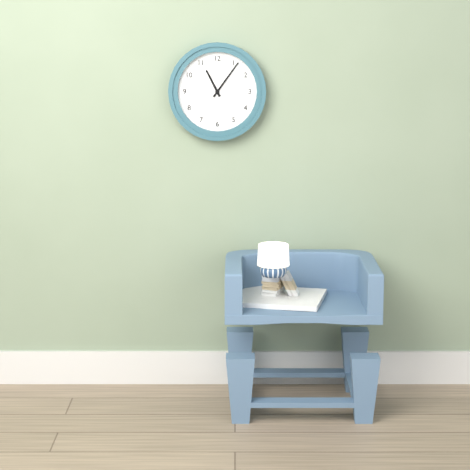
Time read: 11,06
